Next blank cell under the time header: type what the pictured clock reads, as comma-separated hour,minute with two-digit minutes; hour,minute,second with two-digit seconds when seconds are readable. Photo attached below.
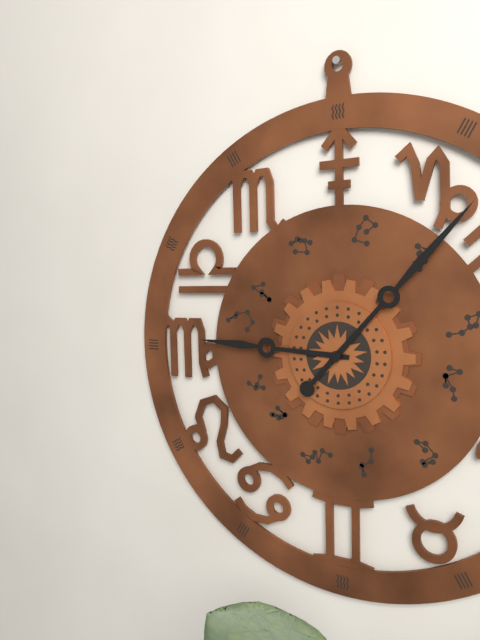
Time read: 9,07
